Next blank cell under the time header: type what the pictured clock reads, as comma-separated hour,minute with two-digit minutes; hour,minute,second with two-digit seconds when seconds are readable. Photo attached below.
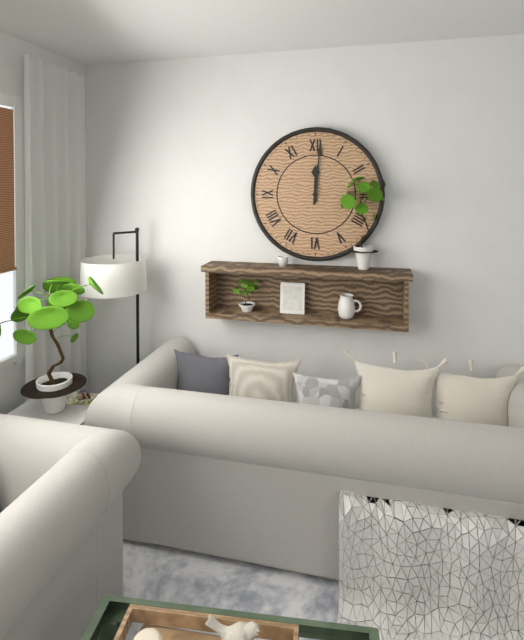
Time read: 12,01
